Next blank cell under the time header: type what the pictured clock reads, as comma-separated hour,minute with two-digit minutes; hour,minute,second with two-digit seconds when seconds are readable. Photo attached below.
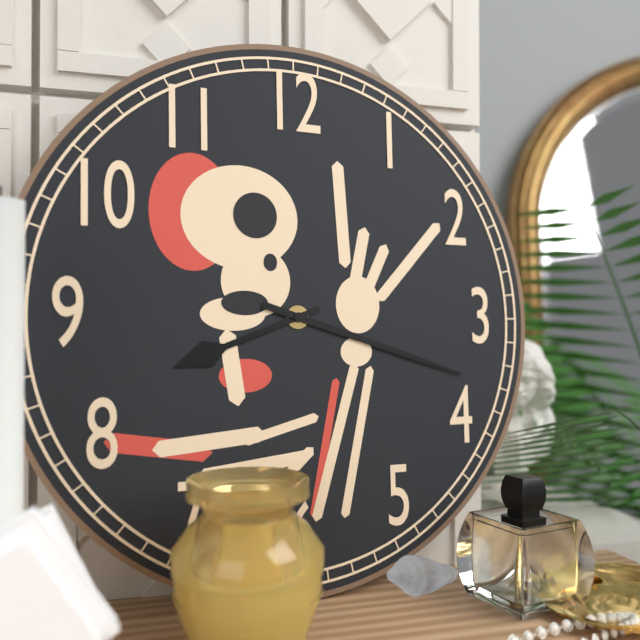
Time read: 8,18
